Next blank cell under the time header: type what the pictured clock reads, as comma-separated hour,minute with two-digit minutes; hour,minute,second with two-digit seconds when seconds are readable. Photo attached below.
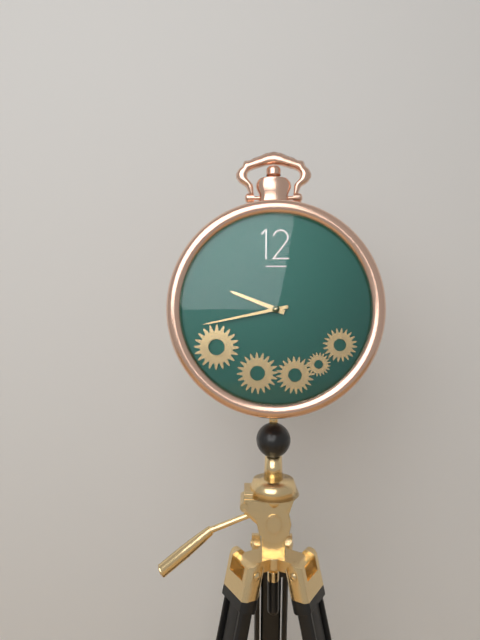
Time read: 9,43
